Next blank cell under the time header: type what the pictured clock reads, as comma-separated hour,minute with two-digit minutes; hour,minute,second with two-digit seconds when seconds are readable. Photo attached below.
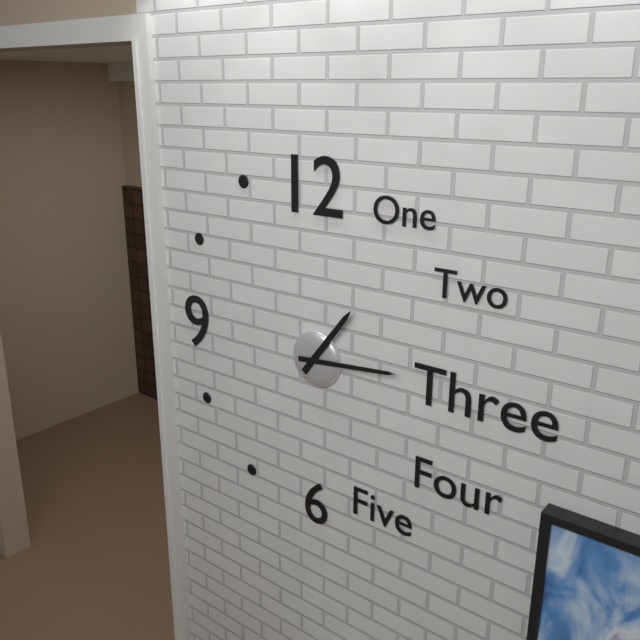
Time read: 1,14
